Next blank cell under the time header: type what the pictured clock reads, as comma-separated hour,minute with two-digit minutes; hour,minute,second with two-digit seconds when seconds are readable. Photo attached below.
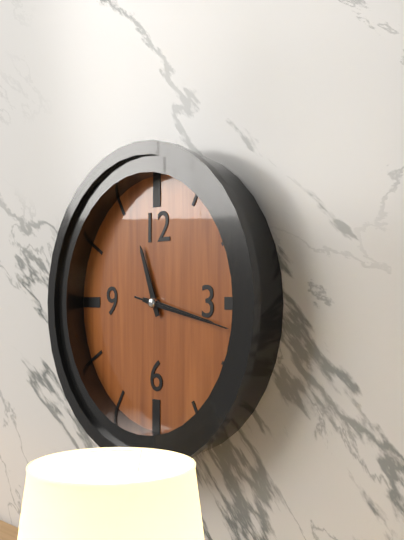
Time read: 11,17,17
